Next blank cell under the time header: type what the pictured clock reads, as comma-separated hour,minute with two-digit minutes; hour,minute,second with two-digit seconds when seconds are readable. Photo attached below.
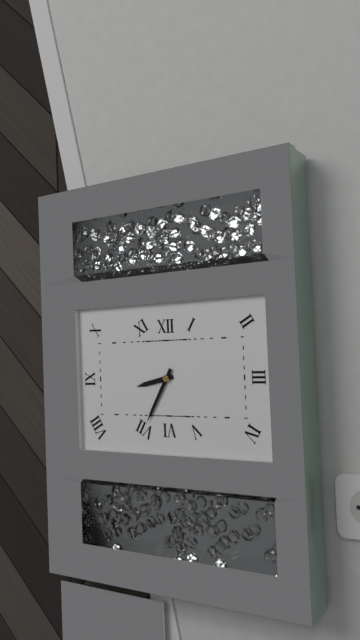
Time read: 8,35
